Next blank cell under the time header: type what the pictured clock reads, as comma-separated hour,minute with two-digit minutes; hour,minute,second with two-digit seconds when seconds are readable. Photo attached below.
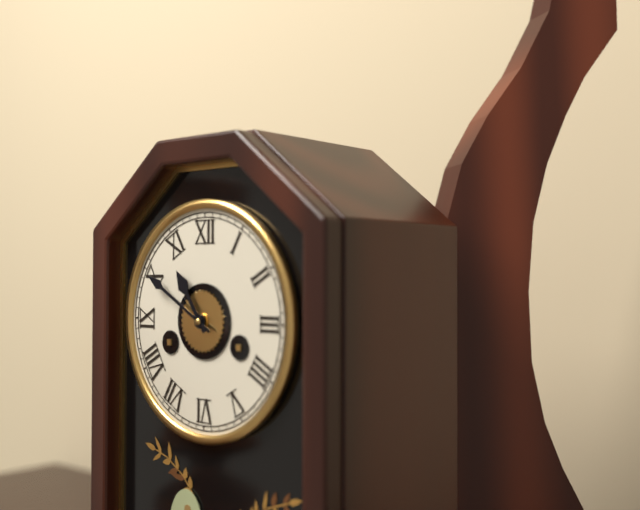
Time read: 10,50
